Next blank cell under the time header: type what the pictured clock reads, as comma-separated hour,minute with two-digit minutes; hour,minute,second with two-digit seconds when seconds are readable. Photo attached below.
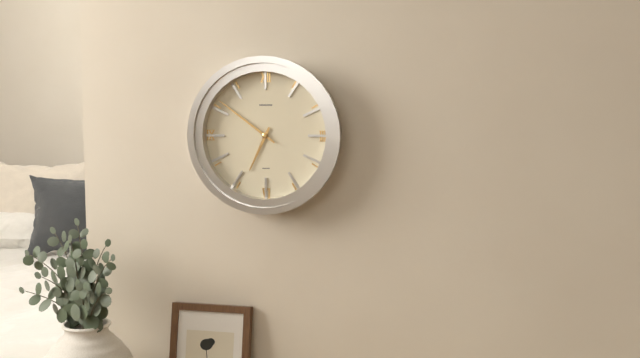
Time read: 6,51
